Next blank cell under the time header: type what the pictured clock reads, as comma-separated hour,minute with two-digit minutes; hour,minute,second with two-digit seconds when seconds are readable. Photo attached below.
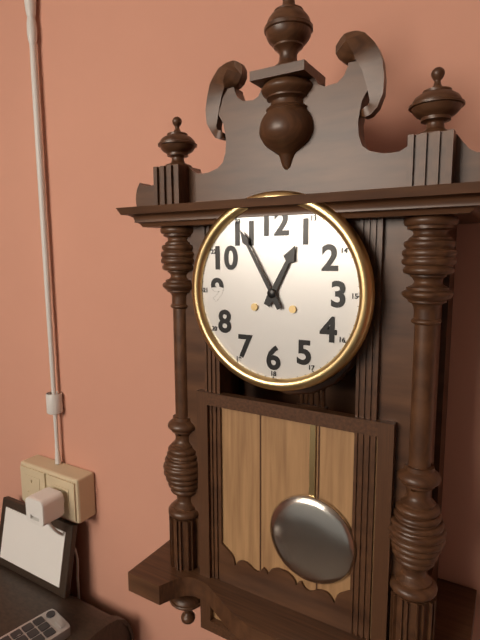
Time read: 12,55
